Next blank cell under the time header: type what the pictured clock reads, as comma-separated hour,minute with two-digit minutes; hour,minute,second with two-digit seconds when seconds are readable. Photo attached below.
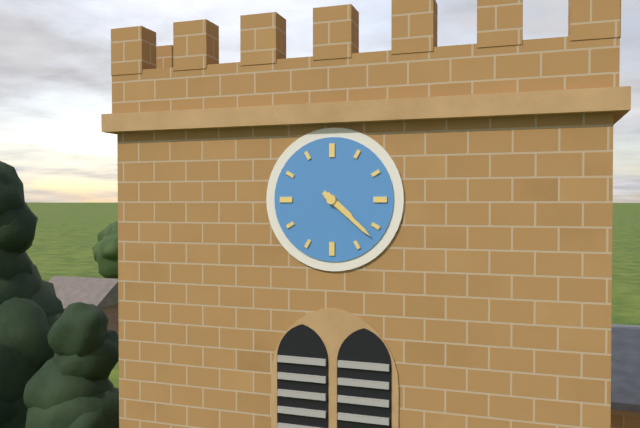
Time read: 4,22
